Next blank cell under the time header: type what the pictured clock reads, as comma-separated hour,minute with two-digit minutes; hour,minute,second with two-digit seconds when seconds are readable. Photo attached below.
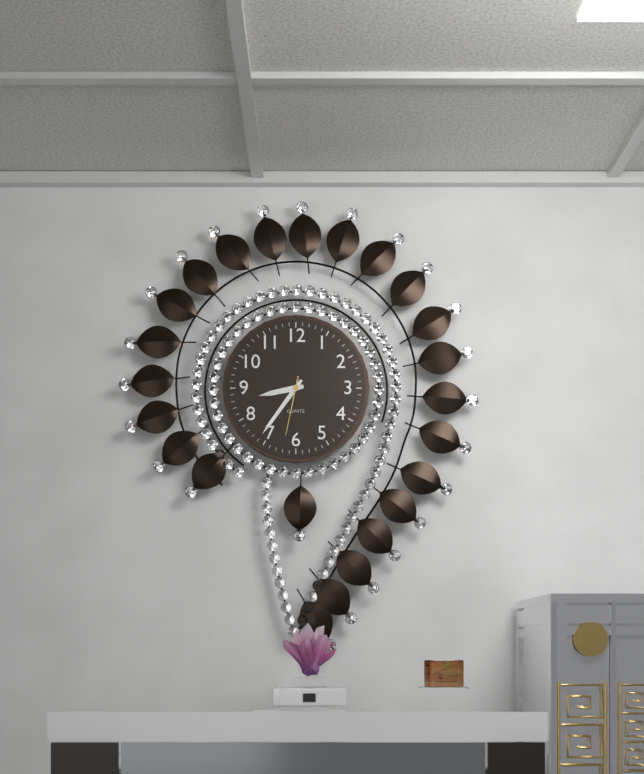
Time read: 8,36,32
